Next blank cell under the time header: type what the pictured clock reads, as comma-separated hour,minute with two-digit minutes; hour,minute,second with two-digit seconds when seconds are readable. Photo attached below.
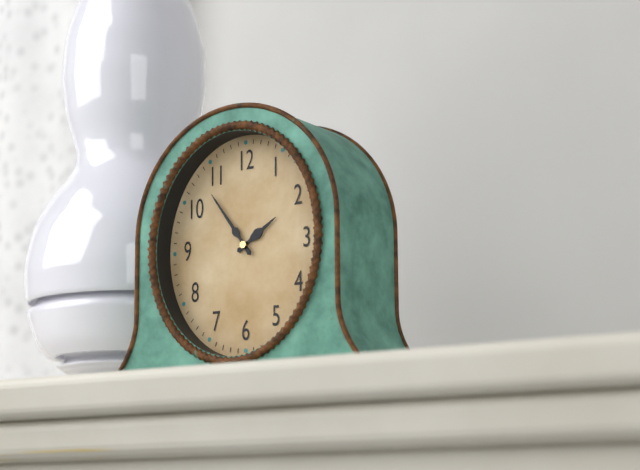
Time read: 1,54
